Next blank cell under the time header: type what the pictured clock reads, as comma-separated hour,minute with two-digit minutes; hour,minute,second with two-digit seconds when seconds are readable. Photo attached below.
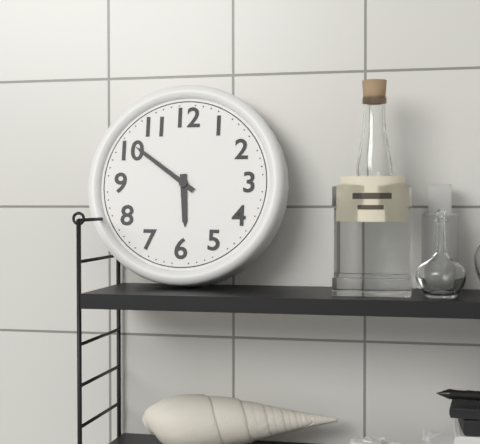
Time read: 5,51
